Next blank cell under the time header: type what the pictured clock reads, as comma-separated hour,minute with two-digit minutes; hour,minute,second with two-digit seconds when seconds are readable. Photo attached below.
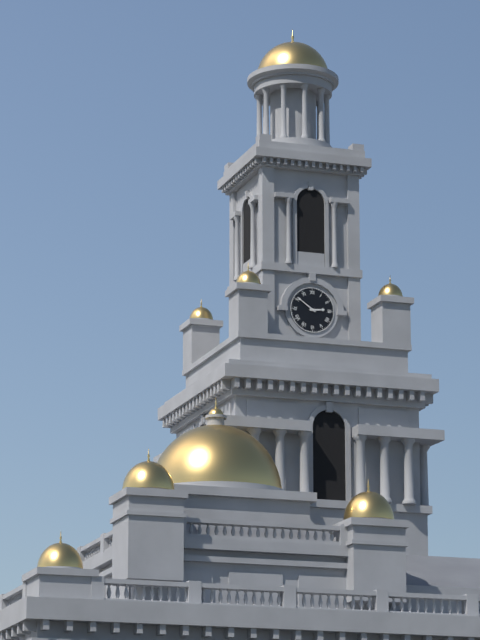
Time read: 2,51
